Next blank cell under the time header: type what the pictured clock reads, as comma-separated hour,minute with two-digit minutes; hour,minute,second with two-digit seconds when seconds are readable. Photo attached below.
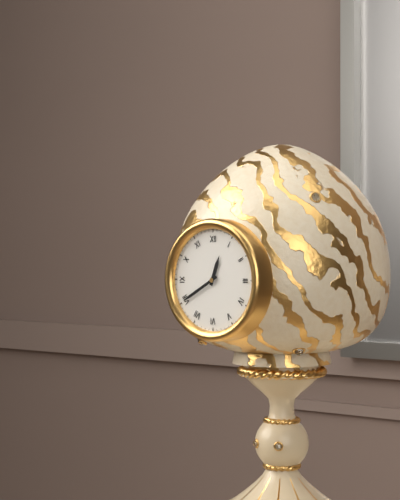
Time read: 12,40
